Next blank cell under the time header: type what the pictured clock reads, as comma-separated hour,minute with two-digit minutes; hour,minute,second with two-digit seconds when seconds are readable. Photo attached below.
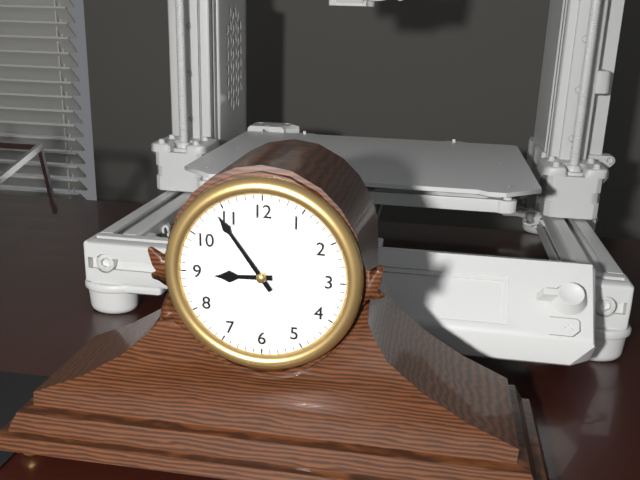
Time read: 8,54
